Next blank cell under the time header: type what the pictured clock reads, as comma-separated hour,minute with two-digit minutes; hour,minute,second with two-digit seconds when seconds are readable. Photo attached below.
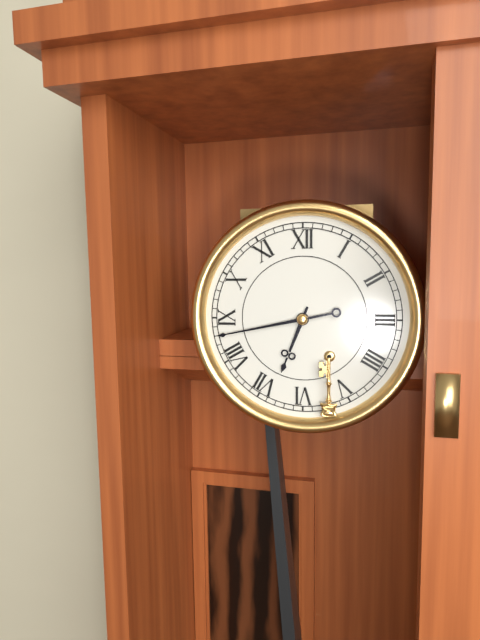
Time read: 6,43
